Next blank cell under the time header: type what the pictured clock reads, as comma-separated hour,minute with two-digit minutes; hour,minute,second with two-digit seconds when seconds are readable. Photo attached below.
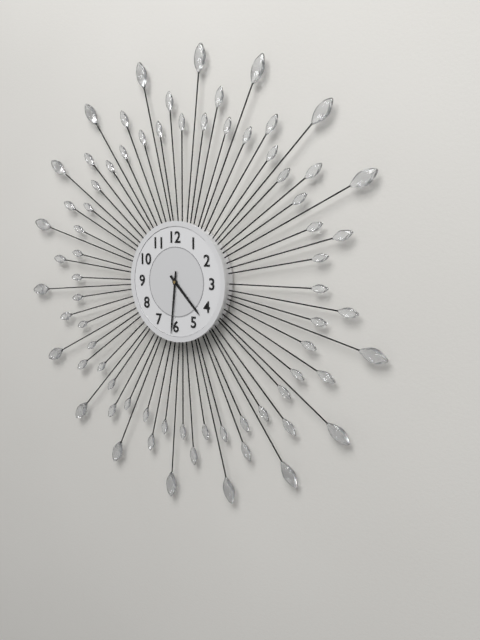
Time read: 4,31
